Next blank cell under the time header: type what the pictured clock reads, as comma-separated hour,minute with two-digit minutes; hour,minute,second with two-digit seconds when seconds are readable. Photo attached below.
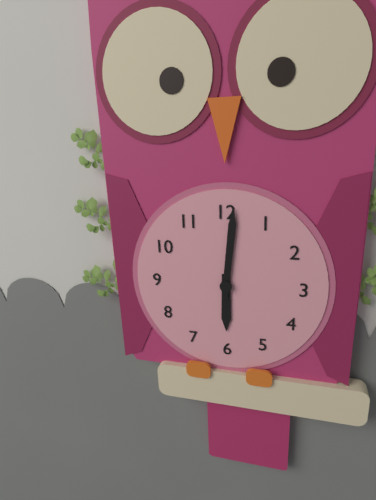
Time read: 6,01
